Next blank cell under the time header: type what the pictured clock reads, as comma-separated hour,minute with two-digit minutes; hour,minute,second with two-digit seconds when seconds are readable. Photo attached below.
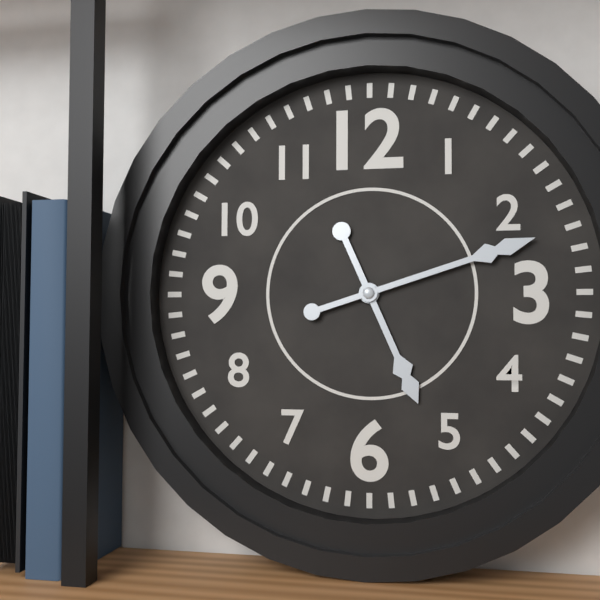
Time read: 5,12
